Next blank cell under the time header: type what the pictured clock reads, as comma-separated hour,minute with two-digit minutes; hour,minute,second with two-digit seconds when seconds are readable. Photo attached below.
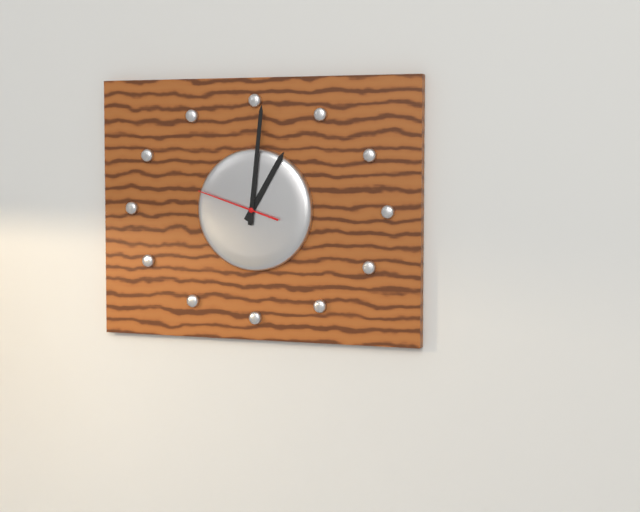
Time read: 1,01,48
